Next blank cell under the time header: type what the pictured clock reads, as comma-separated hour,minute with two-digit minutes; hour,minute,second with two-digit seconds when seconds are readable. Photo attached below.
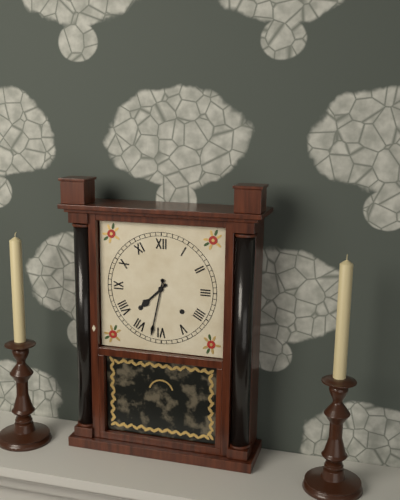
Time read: 7,32
